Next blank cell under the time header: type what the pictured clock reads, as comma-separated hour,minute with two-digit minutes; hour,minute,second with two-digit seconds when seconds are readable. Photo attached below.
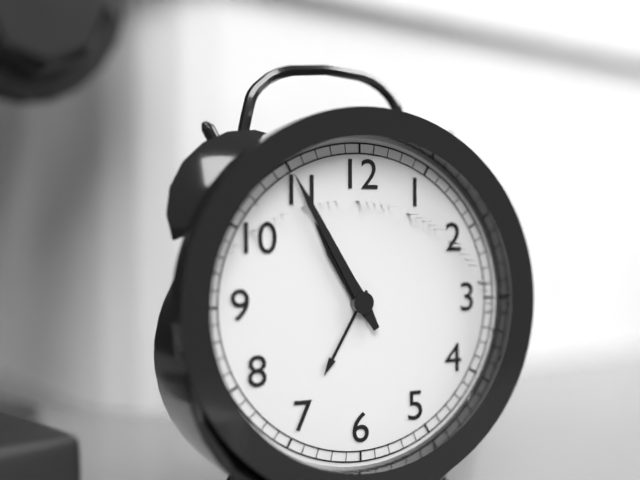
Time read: 10,55
